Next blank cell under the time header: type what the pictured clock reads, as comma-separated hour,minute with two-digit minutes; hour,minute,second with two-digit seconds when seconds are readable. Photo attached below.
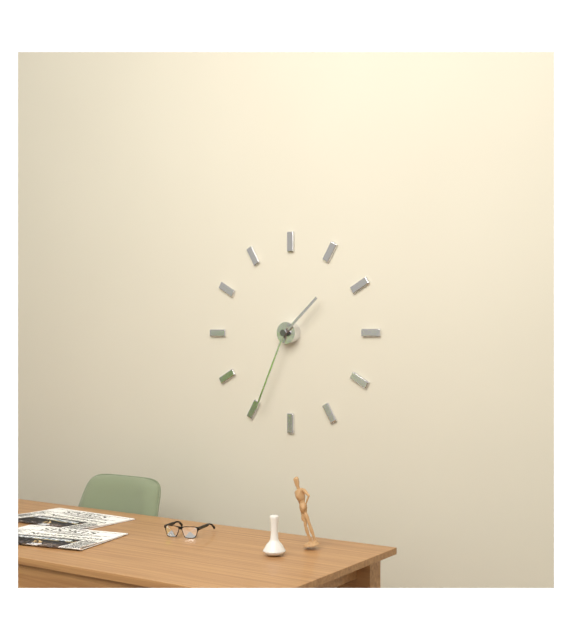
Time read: 1,34
